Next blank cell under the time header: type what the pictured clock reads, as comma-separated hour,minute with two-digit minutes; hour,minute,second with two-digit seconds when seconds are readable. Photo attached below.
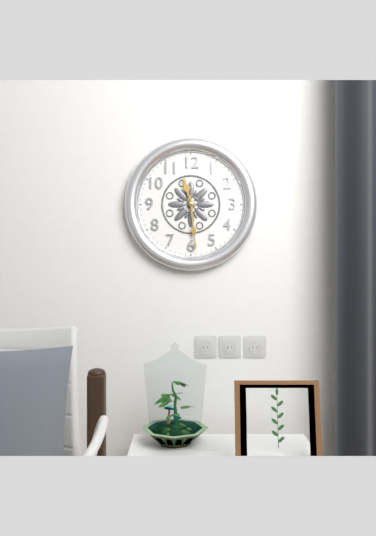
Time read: 11,29
